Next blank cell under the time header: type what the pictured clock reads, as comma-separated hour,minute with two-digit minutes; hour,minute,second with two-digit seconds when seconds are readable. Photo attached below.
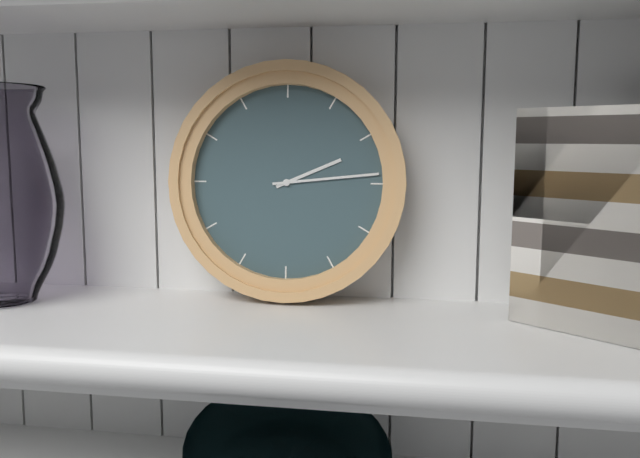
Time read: 2,14
